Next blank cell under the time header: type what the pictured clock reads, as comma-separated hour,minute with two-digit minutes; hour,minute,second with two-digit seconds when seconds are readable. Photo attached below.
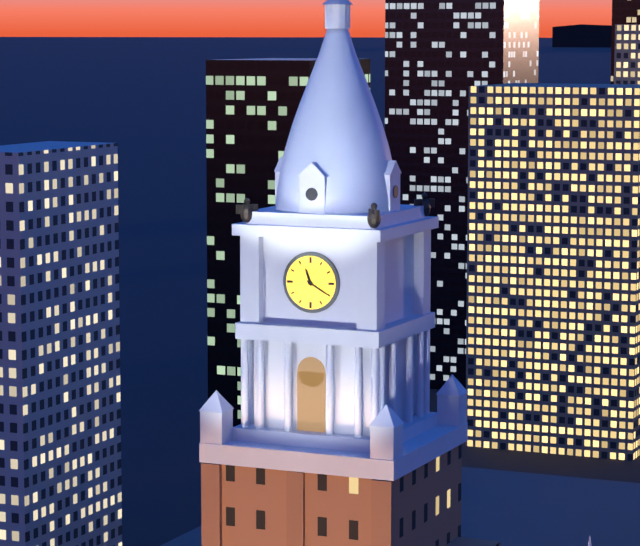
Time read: 11,20
